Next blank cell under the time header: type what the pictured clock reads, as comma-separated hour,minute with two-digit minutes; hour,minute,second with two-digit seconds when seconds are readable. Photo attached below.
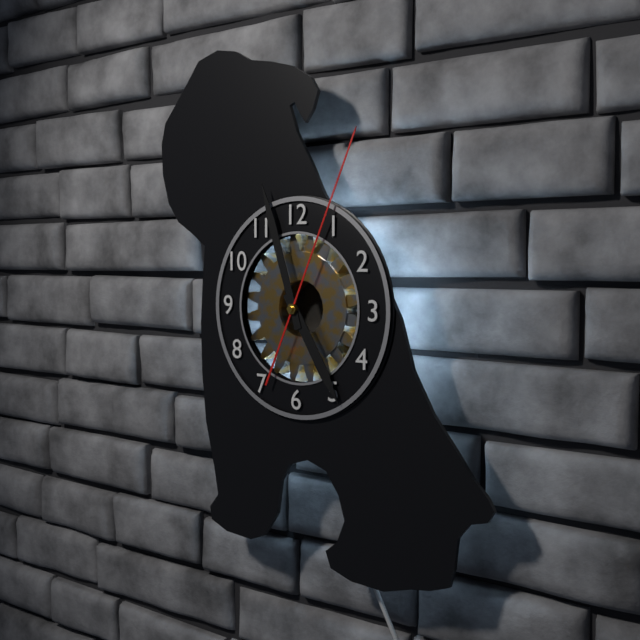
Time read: 4,57,04
